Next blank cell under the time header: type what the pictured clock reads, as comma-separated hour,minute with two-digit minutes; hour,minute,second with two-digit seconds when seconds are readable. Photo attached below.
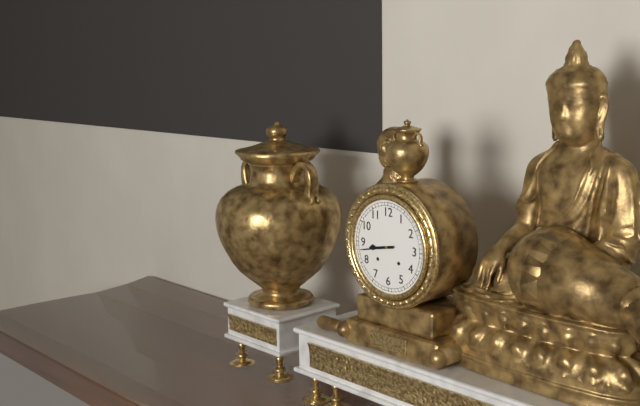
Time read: 8,43
